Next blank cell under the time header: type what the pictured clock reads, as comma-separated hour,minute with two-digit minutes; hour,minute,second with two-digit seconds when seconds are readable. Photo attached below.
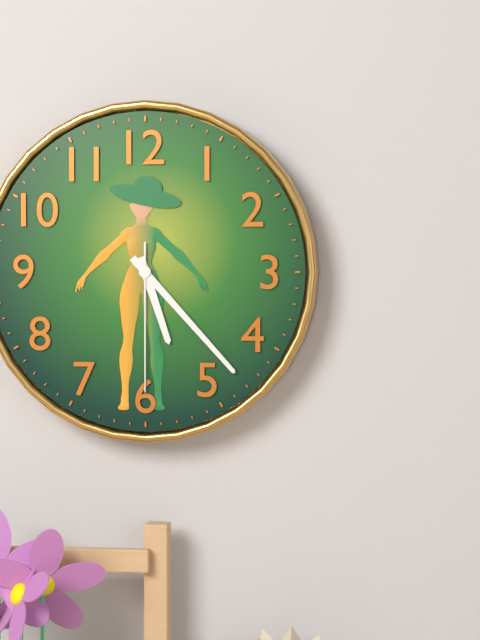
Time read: 5,23,30
